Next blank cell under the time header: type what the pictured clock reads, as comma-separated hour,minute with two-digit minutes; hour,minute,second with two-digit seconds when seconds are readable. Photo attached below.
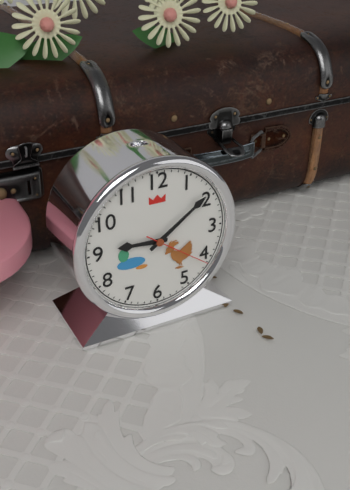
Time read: 9,09,21
